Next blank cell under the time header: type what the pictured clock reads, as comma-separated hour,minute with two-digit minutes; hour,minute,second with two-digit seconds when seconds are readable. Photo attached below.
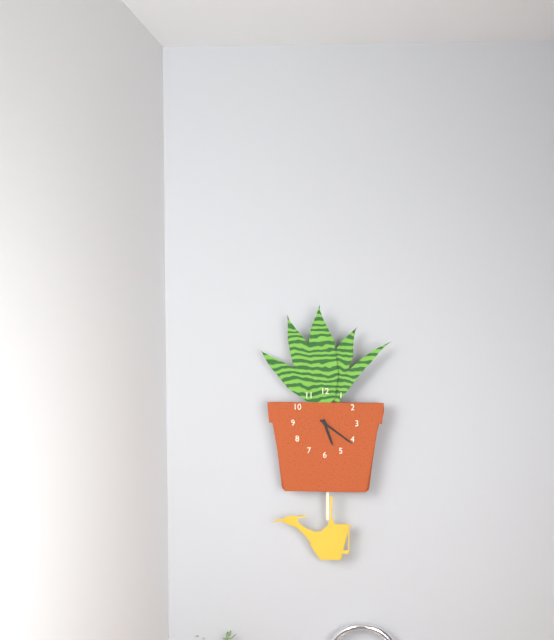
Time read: 5,21
